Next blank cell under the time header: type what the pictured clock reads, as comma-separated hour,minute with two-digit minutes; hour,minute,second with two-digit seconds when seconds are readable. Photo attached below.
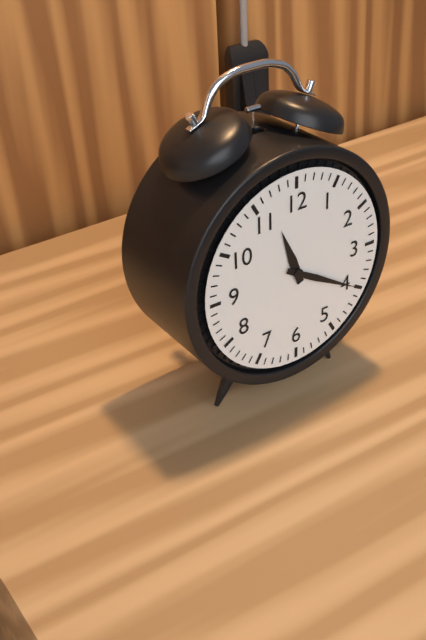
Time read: 11,20
